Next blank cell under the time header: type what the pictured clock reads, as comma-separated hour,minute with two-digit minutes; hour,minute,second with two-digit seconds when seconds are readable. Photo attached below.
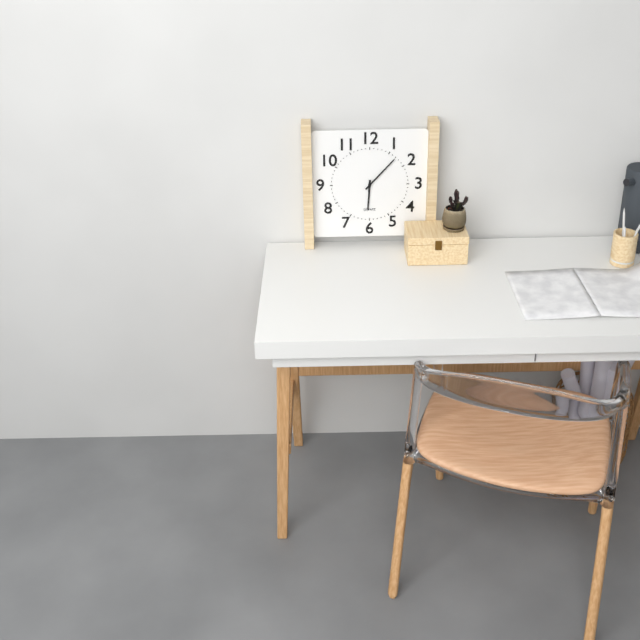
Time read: 6,07
